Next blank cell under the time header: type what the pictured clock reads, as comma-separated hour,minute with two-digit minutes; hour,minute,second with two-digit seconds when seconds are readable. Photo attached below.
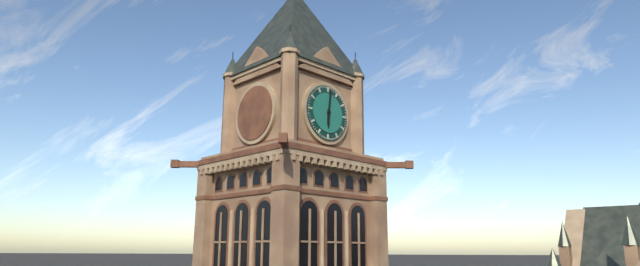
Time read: 6,01
